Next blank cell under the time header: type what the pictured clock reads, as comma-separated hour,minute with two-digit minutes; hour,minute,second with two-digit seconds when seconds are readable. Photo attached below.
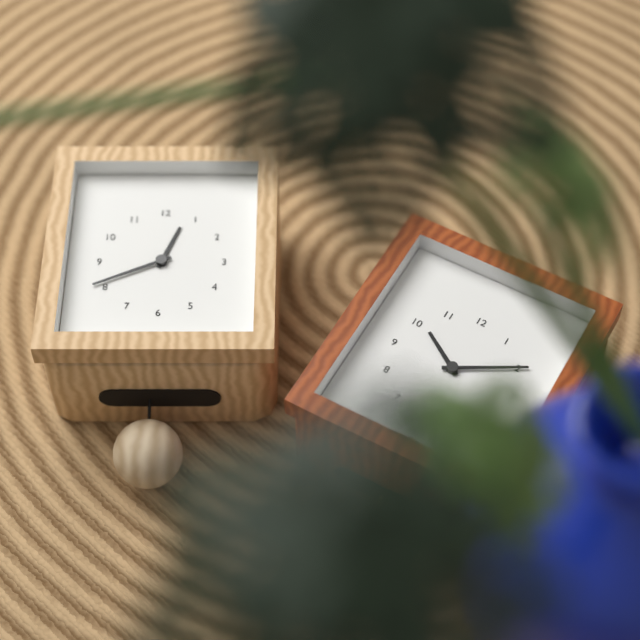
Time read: 12,41
